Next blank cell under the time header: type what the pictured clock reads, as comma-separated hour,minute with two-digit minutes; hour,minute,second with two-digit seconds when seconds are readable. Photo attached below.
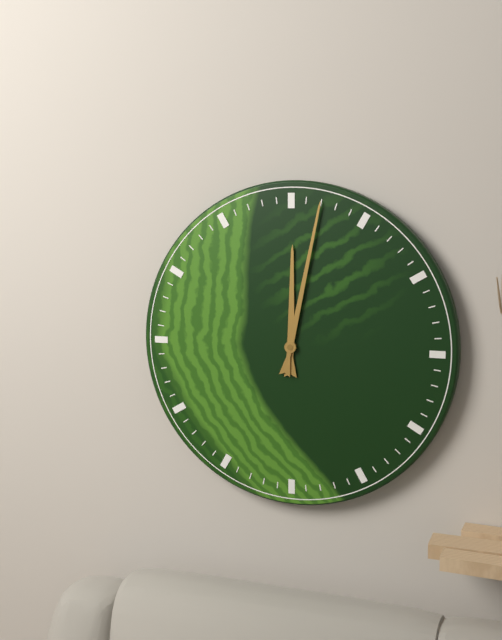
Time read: 12,02
